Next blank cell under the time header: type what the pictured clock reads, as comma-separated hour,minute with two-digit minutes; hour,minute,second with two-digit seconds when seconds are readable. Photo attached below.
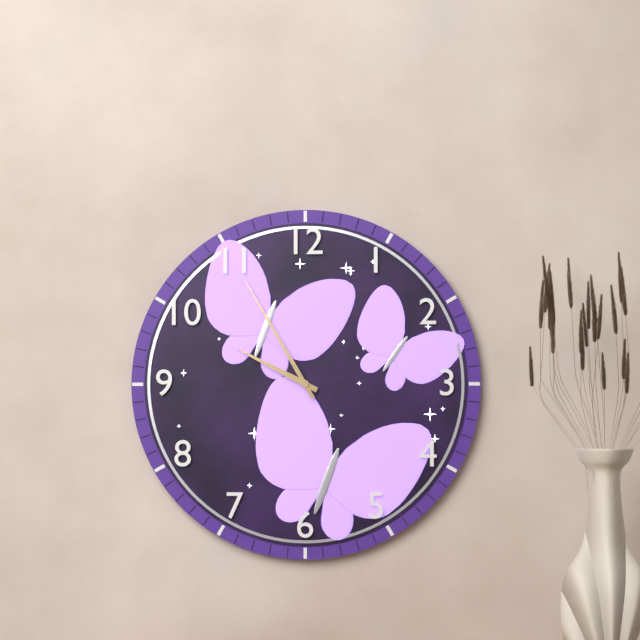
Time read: 9,55
